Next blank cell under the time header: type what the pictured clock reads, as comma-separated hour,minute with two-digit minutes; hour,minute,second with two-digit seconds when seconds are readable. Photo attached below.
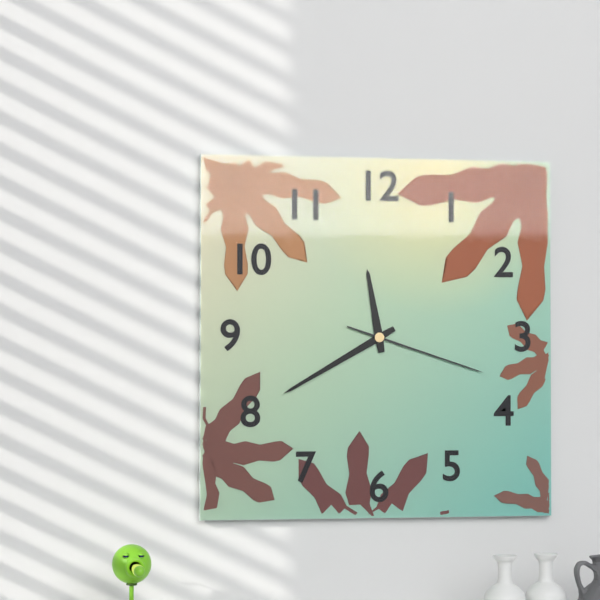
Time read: 11,40,18
